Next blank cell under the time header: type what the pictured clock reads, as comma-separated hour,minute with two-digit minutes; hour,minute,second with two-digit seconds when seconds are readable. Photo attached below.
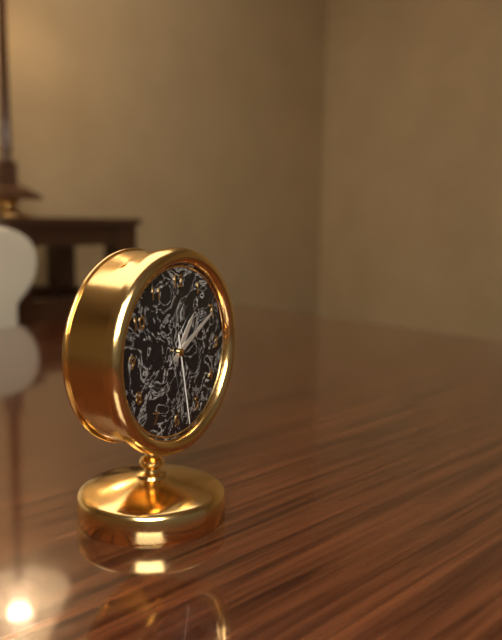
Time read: 1,10,28
